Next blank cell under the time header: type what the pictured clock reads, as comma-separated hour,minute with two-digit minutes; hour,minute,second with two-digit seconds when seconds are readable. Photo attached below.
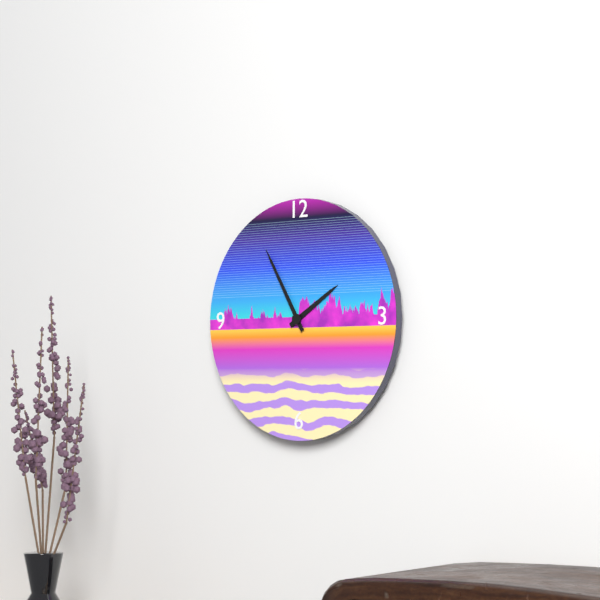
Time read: 1,55
